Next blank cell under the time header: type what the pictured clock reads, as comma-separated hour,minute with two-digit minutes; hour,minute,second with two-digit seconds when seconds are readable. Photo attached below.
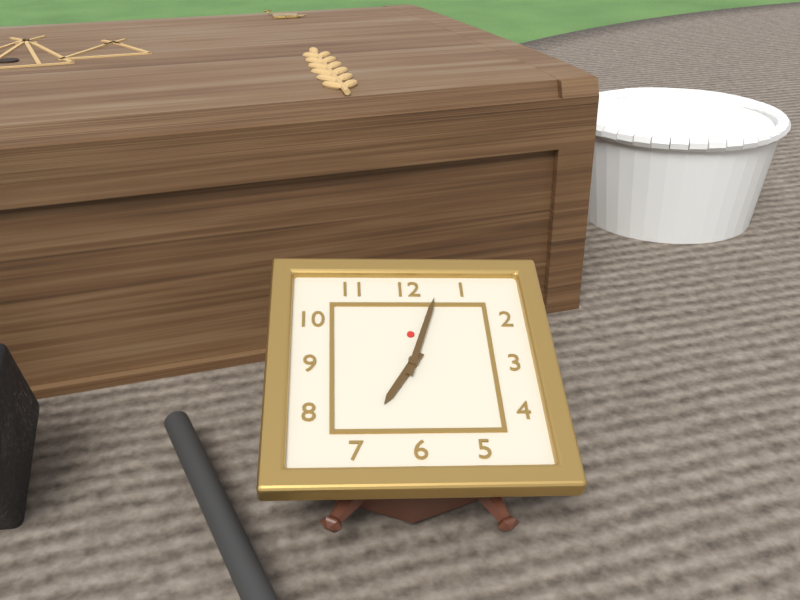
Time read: 7,03
